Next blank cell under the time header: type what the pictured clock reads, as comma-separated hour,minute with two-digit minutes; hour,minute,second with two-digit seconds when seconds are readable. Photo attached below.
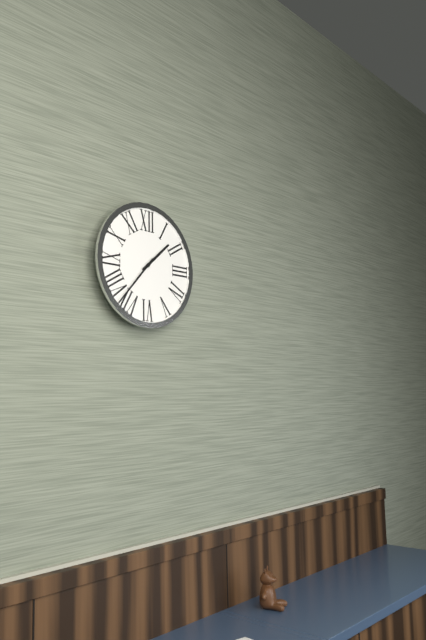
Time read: 1,37
